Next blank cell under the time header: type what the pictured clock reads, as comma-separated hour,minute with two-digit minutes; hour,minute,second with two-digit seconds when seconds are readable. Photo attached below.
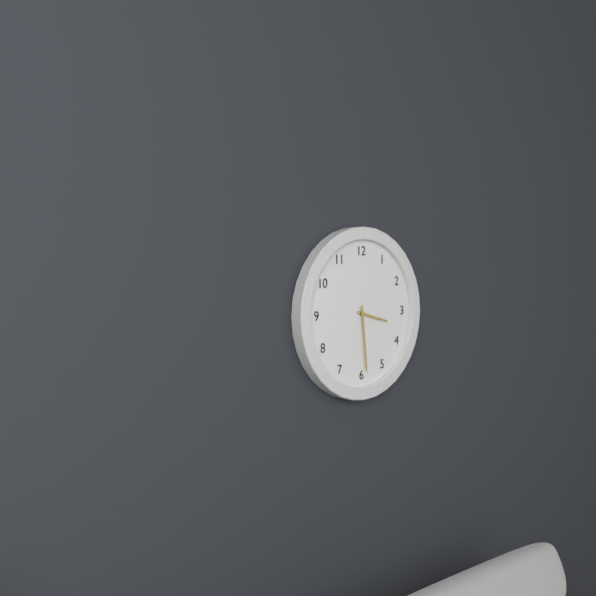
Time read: 3,29
